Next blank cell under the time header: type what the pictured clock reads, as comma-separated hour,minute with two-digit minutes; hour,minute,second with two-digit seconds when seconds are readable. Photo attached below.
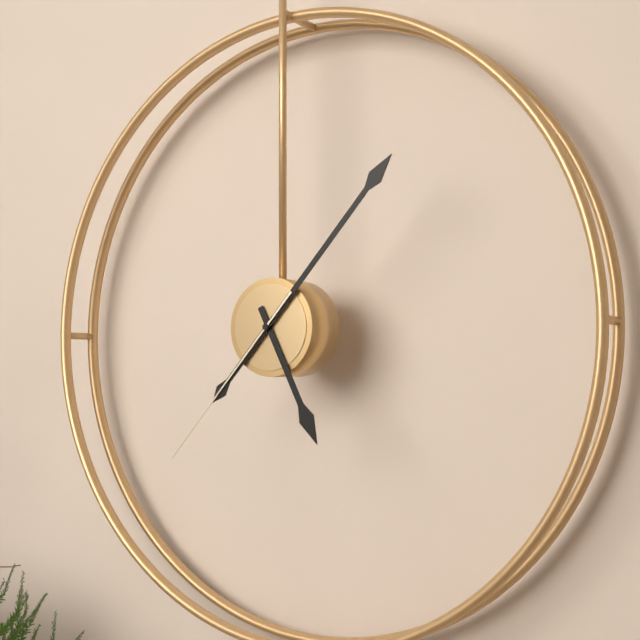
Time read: 5,07,37
